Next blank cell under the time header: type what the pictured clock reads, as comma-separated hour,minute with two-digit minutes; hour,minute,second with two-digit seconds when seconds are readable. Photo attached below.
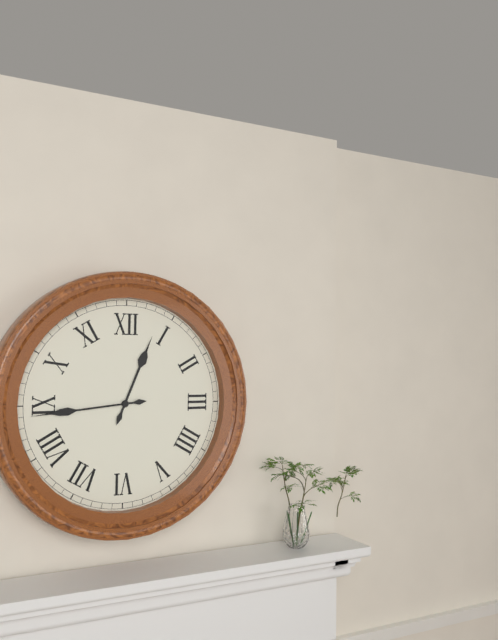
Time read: 12,44
